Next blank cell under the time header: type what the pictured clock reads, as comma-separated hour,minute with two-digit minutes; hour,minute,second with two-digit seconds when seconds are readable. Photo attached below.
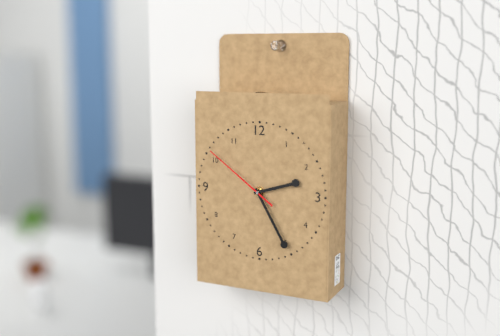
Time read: 2,25,51
